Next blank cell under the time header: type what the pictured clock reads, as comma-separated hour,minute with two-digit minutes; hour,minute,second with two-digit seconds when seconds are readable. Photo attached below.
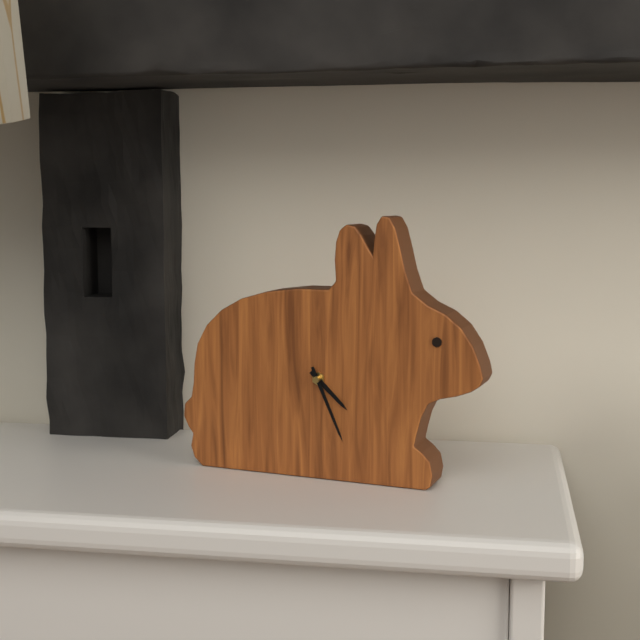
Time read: 4,26
